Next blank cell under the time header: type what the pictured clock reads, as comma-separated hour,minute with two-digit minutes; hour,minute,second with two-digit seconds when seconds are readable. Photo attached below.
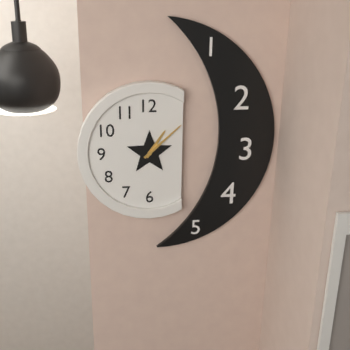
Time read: 1,08
